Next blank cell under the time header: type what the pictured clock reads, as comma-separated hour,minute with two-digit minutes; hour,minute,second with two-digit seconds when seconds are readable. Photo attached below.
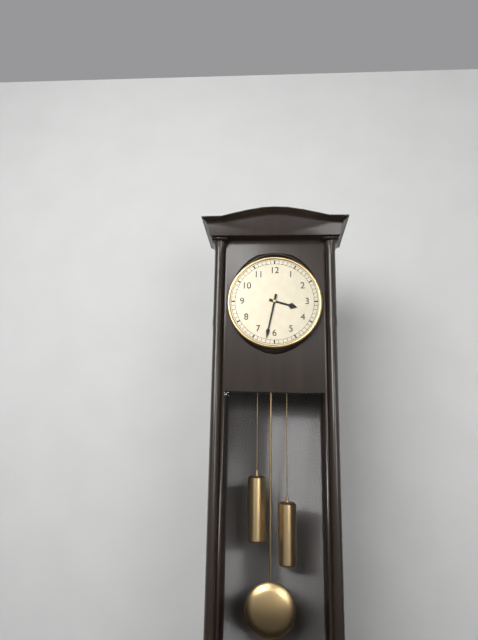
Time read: 3,32
